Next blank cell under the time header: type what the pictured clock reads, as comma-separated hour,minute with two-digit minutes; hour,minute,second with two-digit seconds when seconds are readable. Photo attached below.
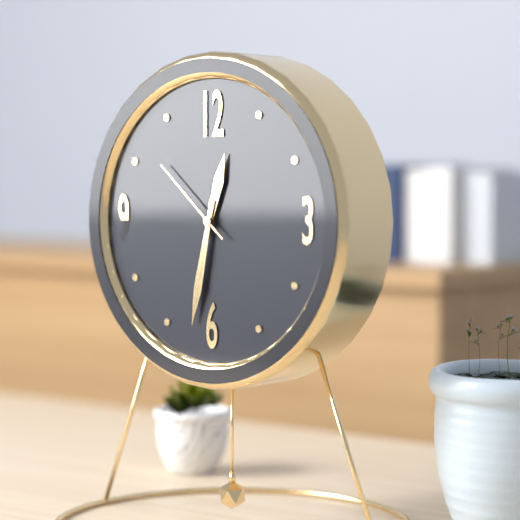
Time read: 12,32,52
